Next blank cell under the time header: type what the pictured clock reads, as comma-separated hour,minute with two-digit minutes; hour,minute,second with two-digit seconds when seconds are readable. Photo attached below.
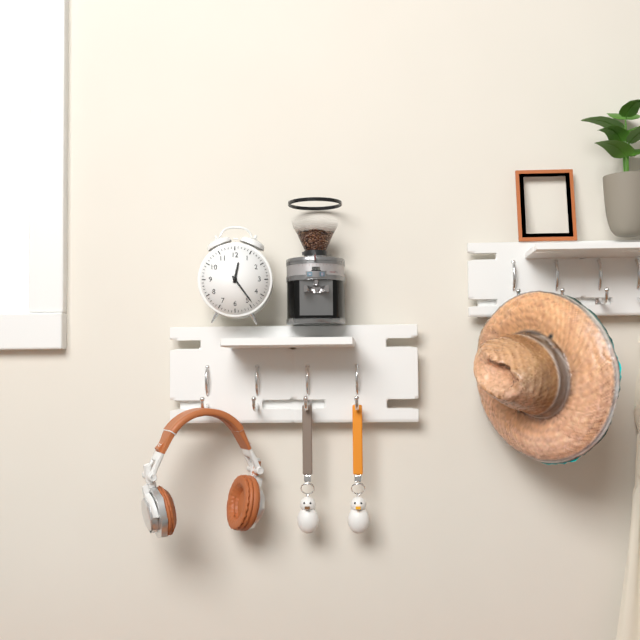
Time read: 12,24
